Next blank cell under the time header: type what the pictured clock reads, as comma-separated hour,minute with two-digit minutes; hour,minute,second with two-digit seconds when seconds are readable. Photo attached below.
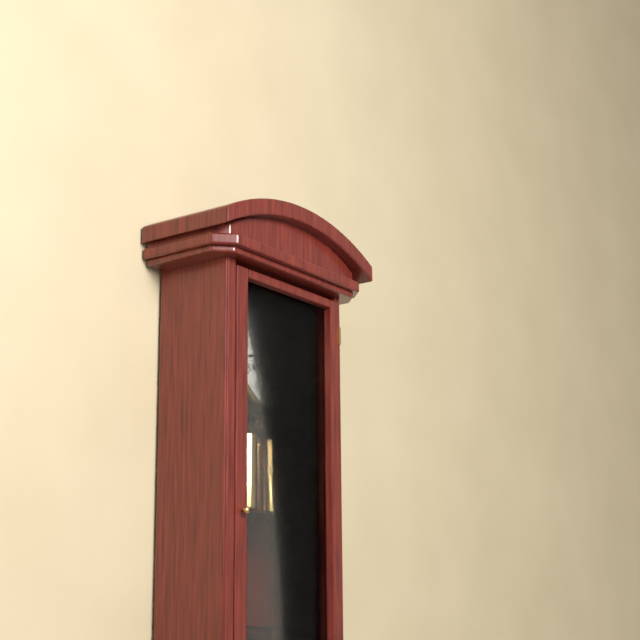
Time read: 4,43
